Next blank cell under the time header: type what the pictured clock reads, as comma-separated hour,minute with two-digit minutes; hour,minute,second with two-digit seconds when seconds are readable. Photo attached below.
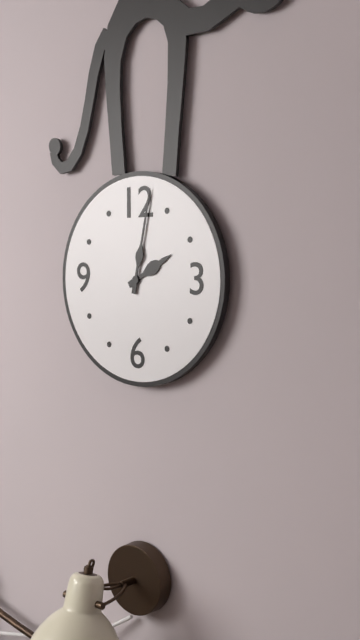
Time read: 2,02
